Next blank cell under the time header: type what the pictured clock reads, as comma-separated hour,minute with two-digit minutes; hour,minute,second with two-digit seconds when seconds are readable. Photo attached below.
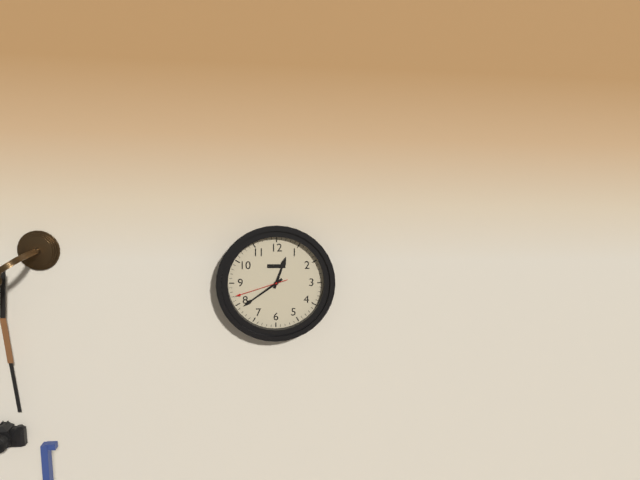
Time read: 12,39,42
